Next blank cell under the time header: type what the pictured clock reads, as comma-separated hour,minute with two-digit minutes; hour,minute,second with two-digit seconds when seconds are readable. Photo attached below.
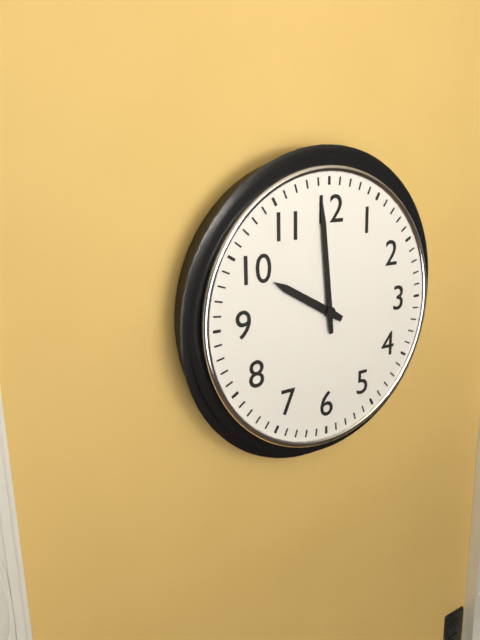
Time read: 9,59
